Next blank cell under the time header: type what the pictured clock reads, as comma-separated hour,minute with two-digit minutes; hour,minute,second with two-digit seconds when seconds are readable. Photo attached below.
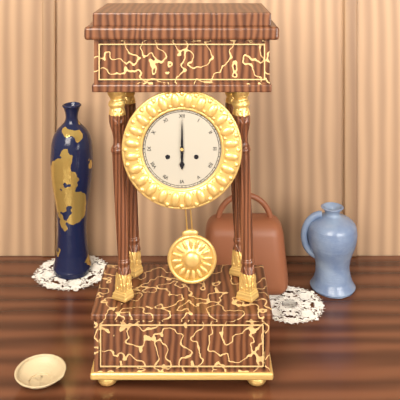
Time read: 6,00
